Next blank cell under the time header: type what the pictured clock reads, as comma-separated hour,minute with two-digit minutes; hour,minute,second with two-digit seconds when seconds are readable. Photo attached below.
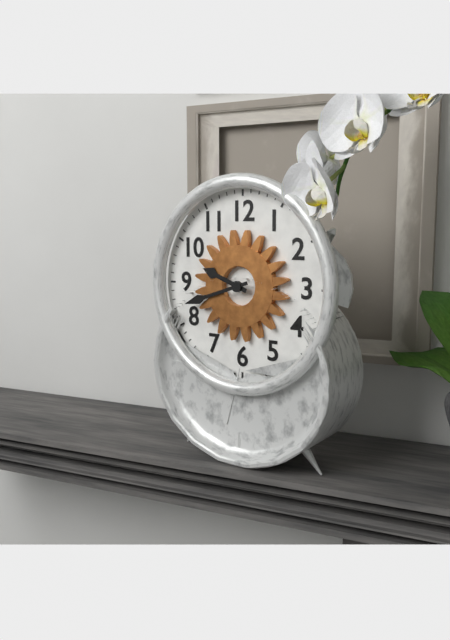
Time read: 9,42
